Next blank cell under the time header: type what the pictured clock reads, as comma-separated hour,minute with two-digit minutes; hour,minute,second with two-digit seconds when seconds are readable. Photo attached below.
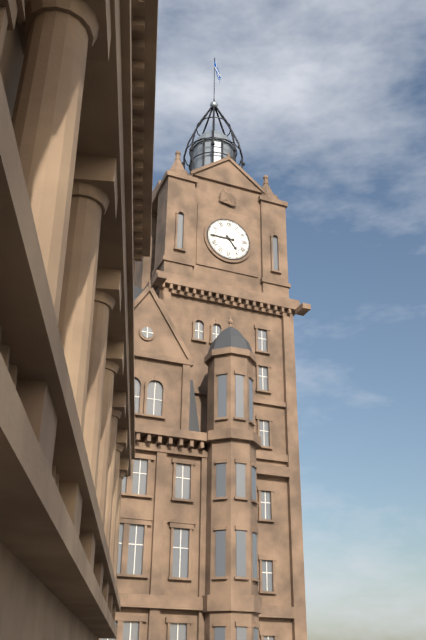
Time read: 4,45
